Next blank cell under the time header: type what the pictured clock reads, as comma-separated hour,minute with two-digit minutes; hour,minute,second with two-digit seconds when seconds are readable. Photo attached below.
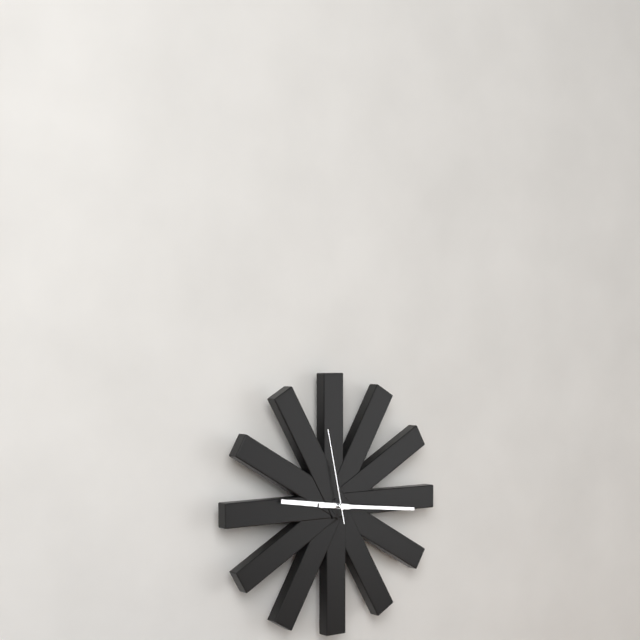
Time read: 9,16,58
